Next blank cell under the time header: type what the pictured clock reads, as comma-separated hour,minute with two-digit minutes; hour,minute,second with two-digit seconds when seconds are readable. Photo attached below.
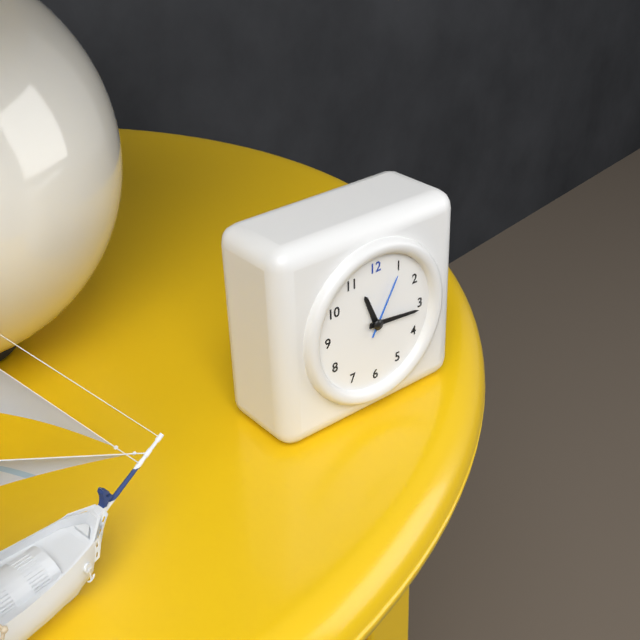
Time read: 11,16,05
